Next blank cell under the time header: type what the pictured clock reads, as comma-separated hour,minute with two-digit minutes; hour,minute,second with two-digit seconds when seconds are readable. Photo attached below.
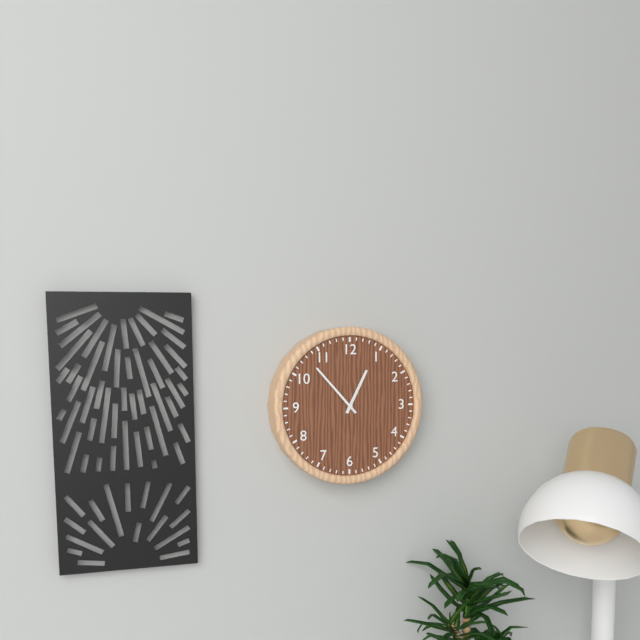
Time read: 12,53
